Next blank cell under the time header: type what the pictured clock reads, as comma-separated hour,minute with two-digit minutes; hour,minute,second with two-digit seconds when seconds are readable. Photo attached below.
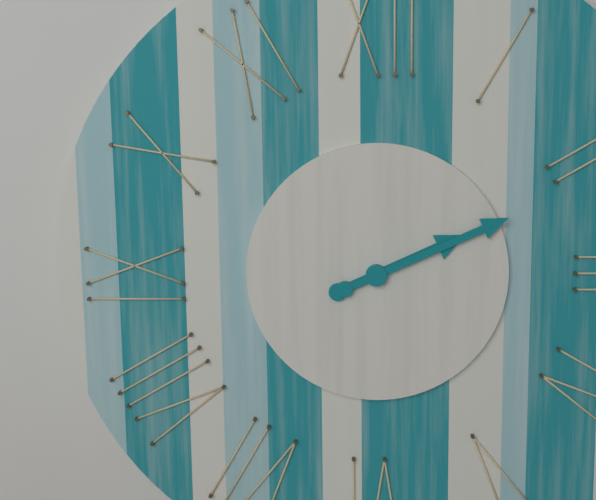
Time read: 2,11
